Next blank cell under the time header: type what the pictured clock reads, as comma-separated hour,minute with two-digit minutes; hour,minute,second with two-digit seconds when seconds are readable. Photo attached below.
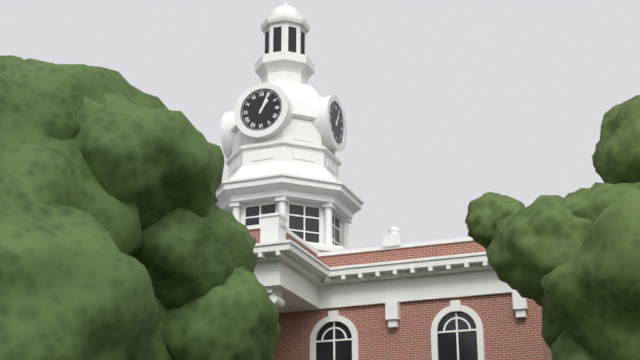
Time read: 1,04
